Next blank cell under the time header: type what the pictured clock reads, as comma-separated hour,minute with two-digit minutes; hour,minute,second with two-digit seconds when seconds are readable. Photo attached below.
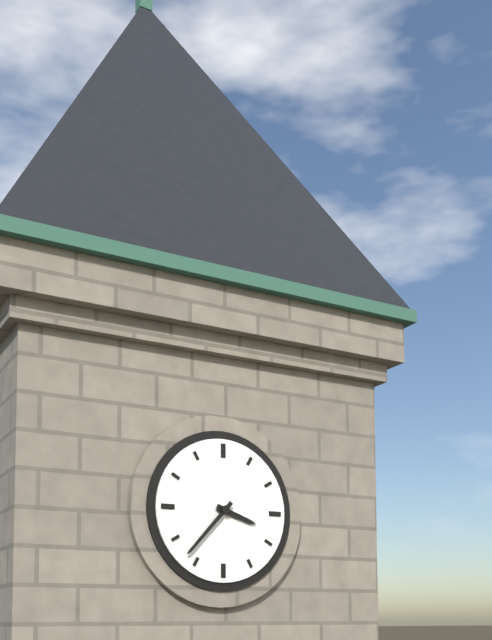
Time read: 3,37
